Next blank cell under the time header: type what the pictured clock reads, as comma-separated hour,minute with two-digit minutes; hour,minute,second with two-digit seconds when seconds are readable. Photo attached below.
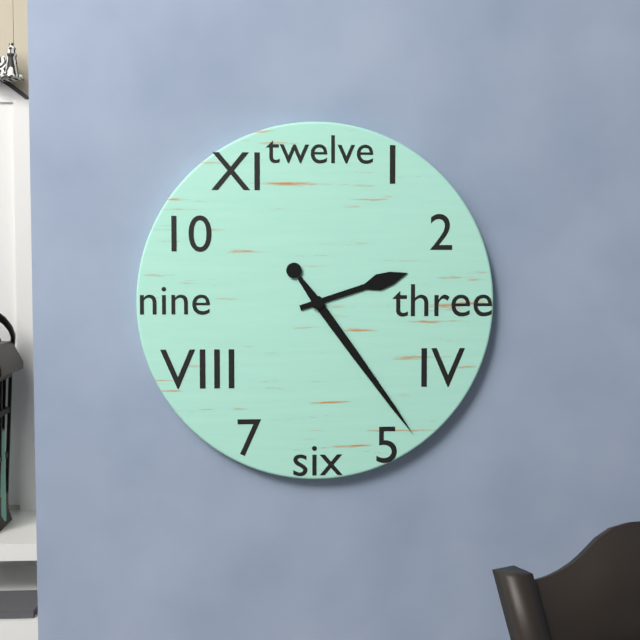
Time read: 2,24
